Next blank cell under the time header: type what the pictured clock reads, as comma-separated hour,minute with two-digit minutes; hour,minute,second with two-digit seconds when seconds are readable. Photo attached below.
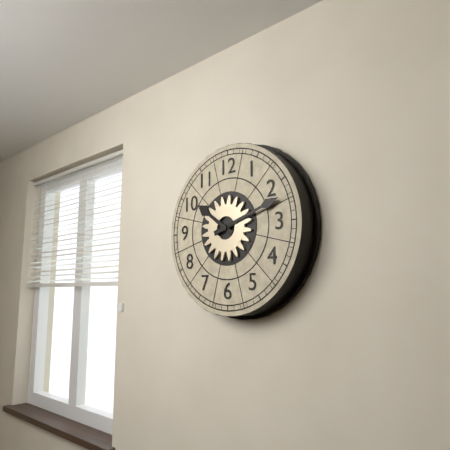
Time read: 10,12
